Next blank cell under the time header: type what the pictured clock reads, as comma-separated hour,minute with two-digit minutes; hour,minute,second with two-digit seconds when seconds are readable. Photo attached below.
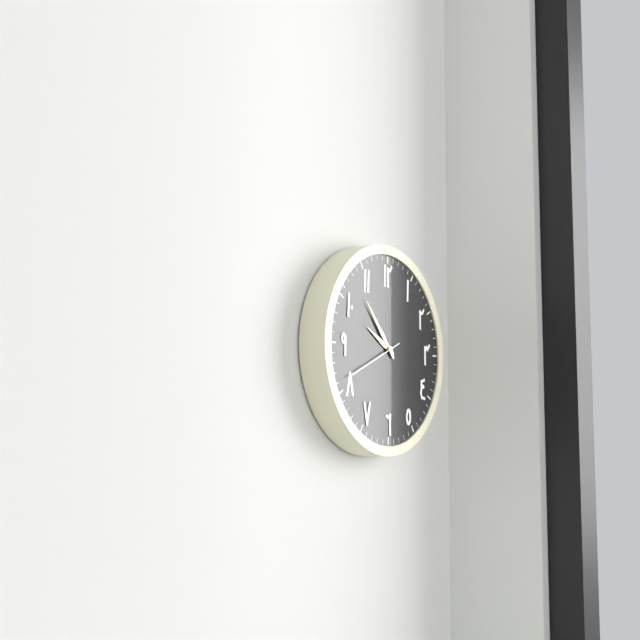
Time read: 9,53,41
